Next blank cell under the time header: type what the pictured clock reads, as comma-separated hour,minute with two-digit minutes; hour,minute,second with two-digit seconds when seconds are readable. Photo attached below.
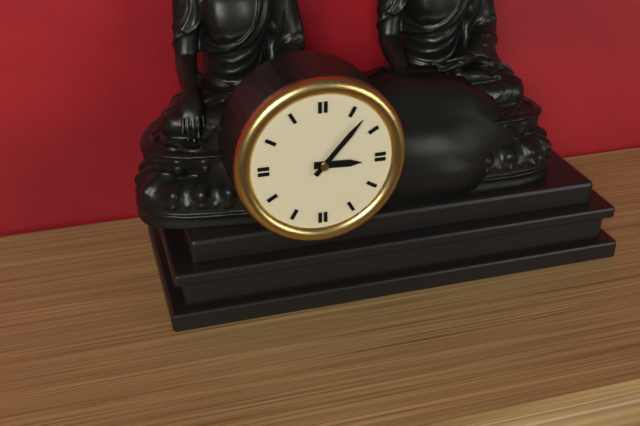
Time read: 3,07
